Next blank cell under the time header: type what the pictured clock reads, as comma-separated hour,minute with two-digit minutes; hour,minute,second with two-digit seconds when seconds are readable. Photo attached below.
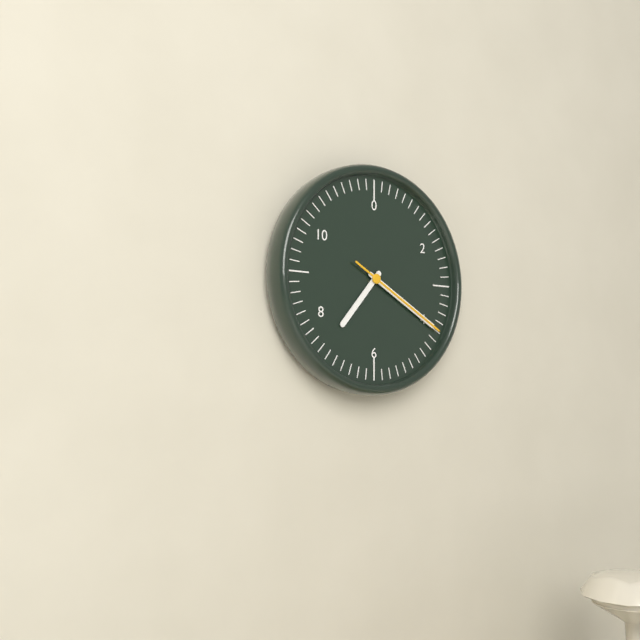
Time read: 7,20,20
